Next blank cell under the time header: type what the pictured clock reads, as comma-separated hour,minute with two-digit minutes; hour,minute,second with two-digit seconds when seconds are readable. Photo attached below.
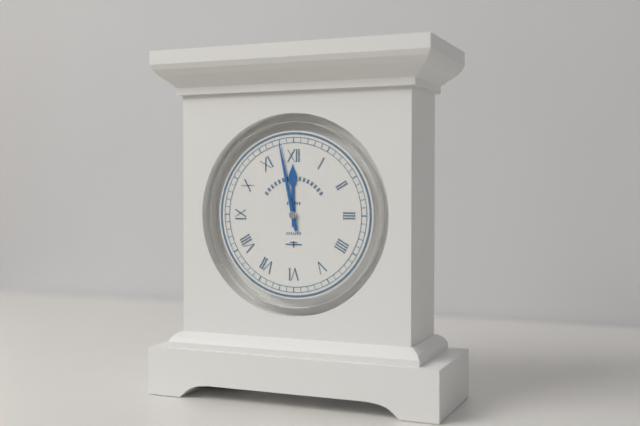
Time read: 11,58
